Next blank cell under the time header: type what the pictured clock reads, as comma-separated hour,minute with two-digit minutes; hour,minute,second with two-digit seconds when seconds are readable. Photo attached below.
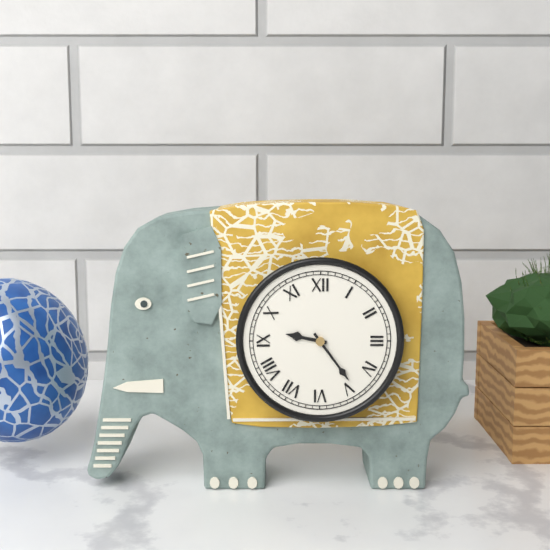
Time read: 9,24
